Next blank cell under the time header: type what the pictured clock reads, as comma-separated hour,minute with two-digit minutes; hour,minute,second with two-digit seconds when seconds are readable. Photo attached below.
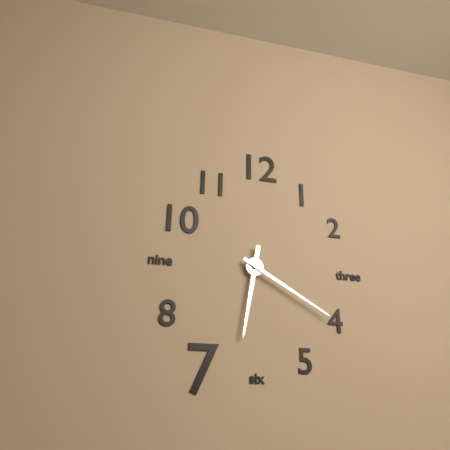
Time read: 6,20
